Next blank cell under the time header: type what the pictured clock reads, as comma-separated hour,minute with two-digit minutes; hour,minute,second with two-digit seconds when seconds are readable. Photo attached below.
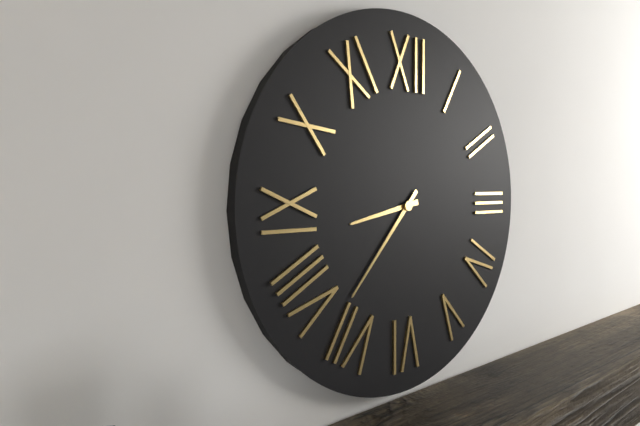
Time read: 8,37
